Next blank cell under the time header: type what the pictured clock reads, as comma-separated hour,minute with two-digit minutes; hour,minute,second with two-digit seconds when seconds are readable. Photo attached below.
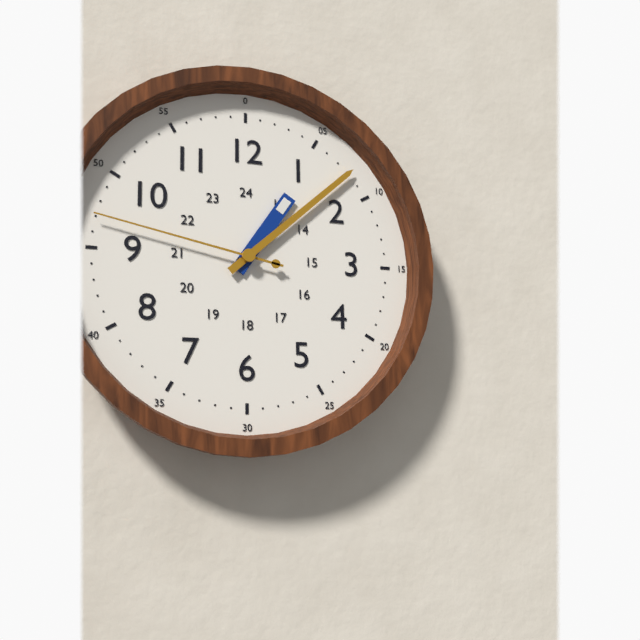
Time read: 1,08,47
